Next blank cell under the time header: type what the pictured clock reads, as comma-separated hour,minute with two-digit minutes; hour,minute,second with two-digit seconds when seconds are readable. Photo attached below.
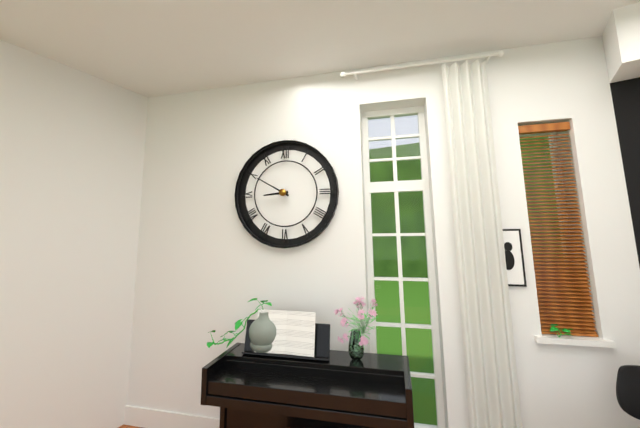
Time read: 8,50
